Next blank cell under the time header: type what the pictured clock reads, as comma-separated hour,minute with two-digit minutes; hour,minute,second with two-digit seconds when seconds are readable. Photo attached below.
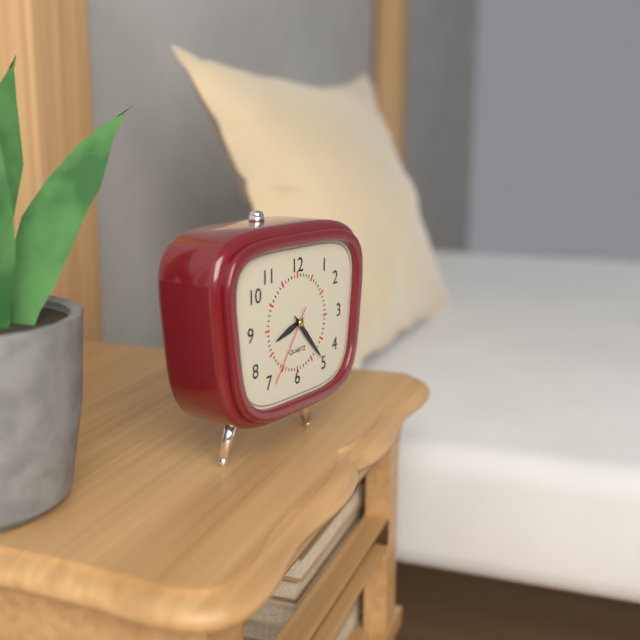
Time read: 8,23,36
